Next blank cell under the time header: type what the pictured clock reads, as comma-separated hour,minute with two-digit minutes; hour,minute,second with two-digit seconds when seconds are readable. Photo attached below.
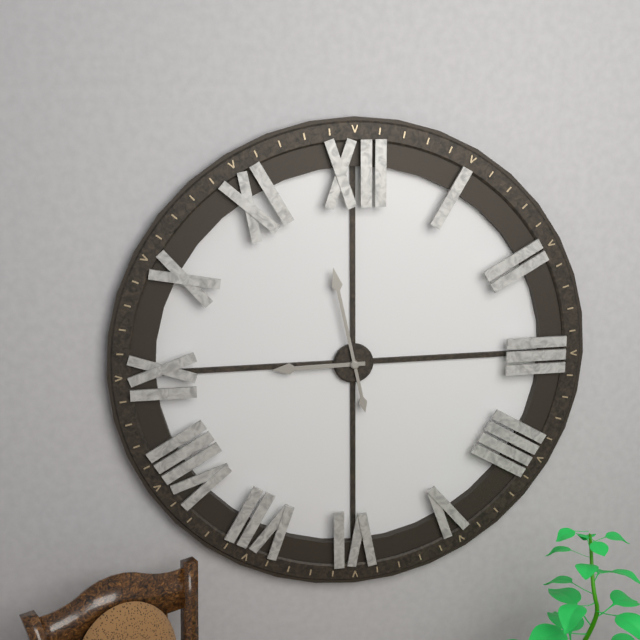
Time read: 8,58
